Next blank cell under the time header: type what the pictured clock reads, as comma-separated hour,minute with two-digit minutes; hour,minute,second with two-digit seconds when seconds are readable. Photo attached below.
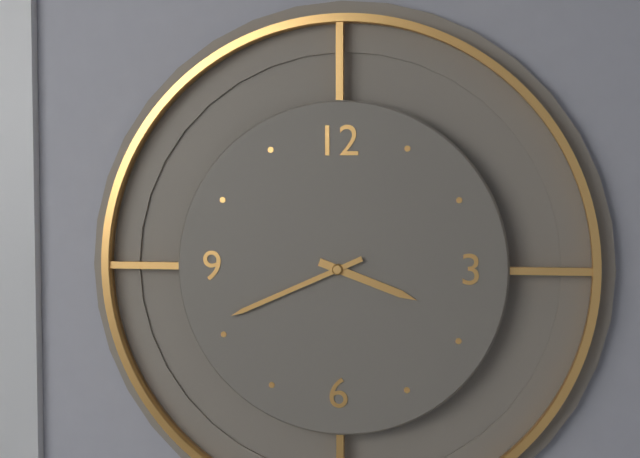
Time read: 3,41
